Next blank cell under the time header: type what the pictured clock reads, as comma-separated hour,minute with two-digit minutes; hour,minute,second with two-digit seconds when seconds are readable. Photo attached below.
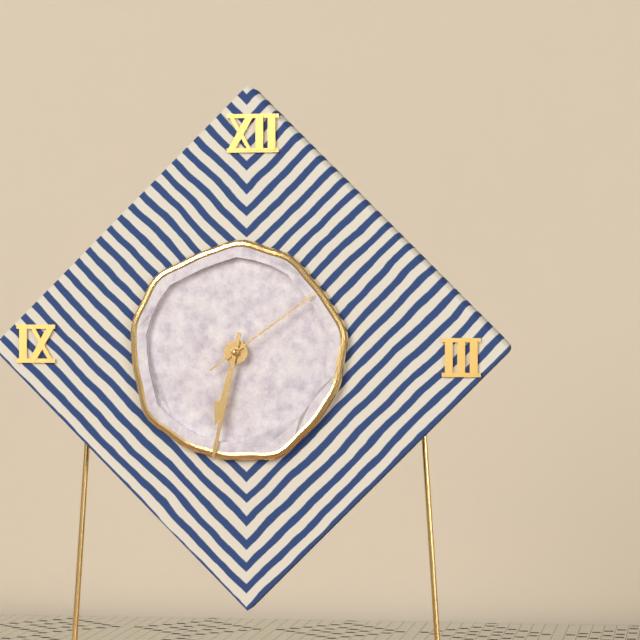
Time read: 6,32,09
